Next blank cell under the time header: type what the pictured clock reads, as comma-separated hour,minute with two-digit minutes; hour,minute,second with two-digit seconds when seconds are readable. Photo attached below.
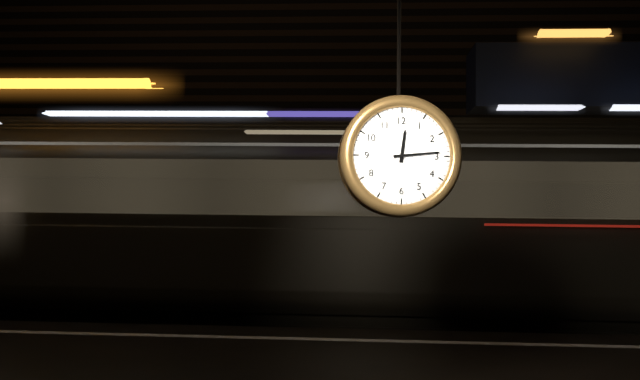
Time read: 12,14
